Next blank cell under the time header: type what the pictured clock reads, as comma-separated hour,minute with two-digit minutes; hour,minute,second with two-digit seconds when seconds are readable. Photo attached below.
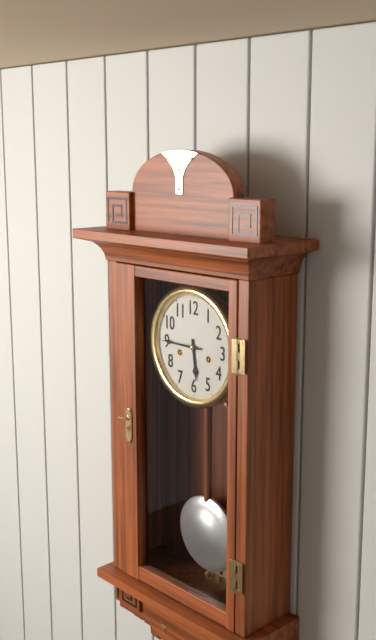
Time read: 5,45
